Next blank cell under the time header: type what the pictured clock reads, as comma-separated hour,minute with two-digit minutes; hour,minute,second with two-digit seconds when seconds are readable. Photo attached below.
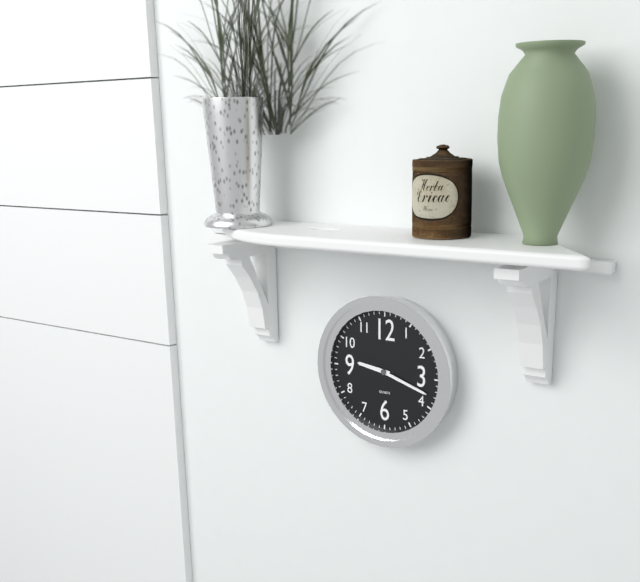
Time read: 9,18
